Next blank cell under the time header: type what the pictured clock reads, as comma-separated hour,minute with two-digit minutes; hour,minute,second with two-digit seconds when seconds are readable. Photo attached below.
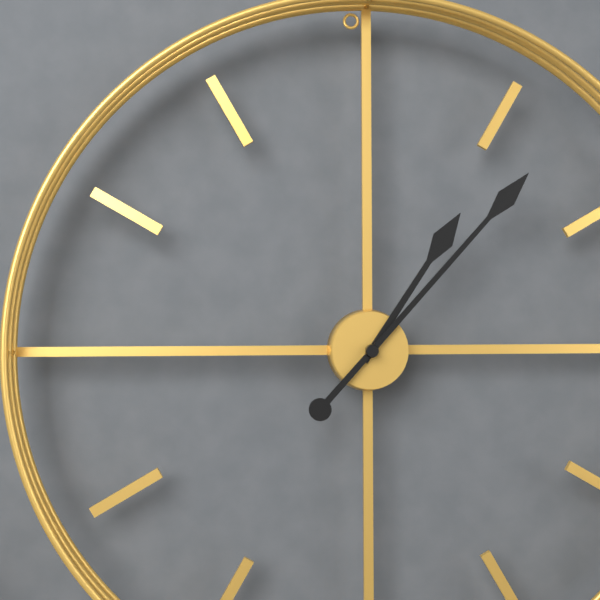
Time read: 1,07
